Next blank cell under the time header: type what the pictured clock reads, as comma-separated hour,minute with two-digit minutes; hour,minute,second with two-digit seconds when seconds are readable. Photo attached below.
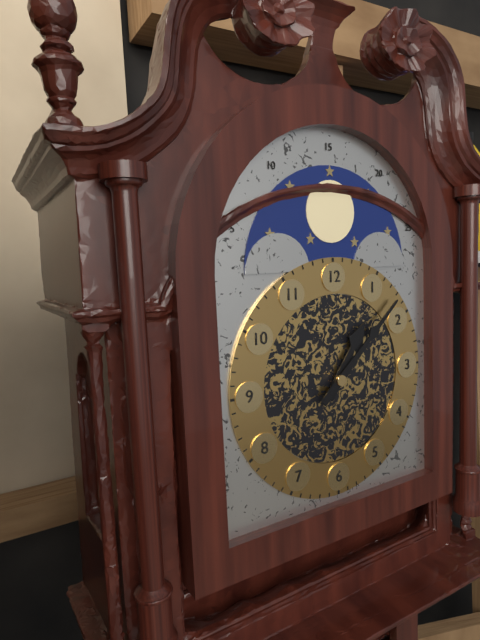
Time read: 1,08
